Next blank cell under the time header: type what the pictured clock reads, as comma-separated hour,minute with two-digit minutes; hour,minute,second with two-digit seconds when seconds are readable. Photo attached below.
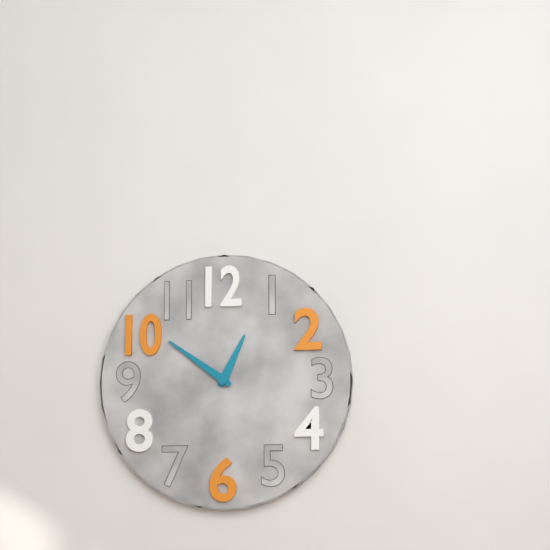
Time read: 12,51
